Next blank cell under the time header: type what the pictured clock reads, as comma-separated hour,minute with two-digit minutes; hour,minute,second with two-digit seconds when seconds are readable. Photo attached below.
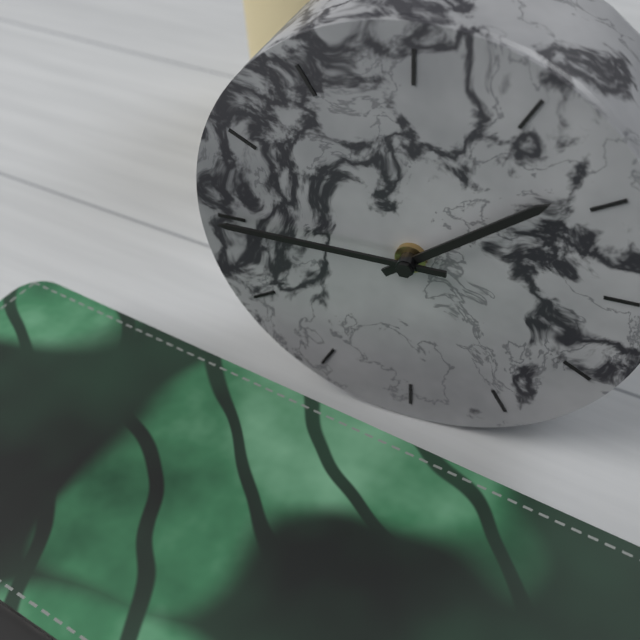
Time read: 1,45
